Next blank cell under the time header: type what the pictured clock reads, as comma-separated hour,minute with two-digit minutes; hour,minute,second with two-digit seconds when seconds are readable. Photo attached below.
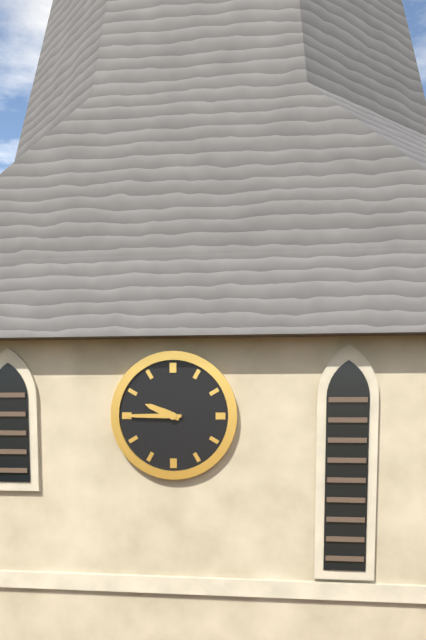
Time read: 9,45
